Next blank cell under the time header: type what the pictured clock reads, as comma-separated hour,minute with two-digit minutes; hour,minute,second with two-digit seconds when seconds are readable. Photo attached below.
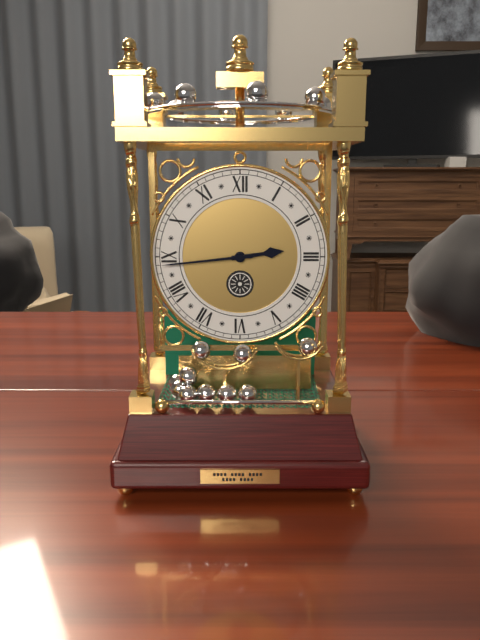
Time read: 2,44
